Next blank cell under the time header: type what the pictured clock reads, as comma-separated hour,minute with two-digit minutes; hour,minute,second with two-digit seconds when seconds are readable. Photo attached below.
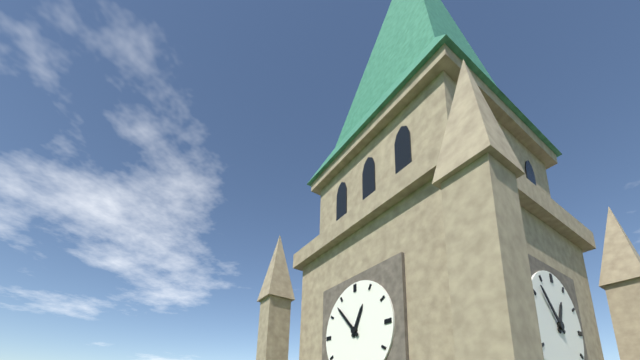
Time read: 12,53
